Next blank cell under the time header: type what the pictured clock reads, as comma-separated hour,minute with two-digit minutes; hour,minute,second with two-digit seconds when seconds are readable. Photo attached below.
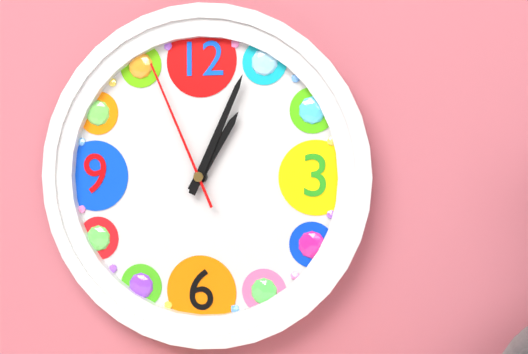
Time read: 1,04,56
